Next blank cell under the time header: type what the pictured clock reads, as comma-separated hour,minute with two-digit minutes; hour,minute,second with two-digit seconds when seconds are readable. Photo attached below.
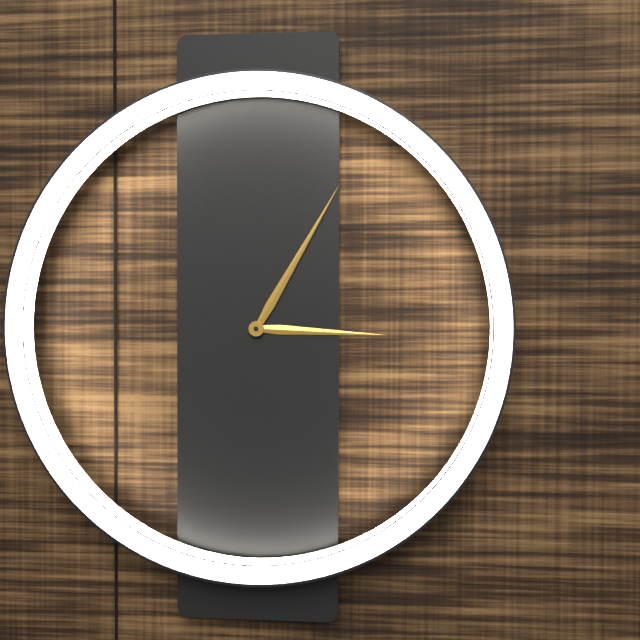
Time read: 3,05
